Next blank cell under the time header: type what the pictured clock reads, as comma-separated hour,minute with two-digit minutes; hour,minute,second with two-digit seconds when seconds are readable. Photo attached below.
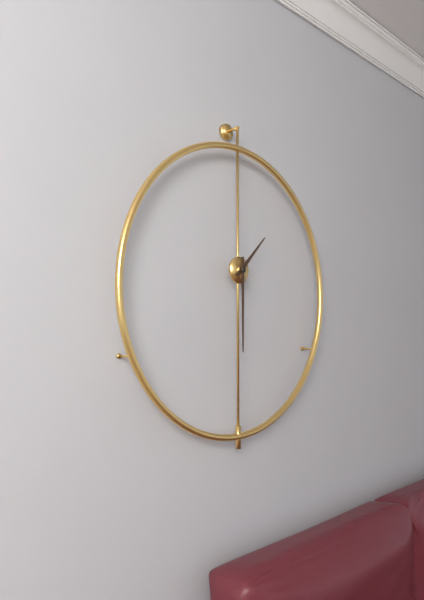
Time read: 1,30
